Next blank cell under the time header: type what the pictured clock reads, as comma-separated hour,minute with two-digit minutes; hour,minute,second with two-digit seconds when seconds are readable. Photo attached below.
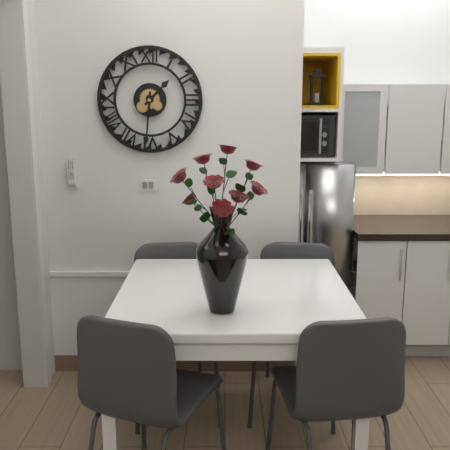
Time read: 1,31
